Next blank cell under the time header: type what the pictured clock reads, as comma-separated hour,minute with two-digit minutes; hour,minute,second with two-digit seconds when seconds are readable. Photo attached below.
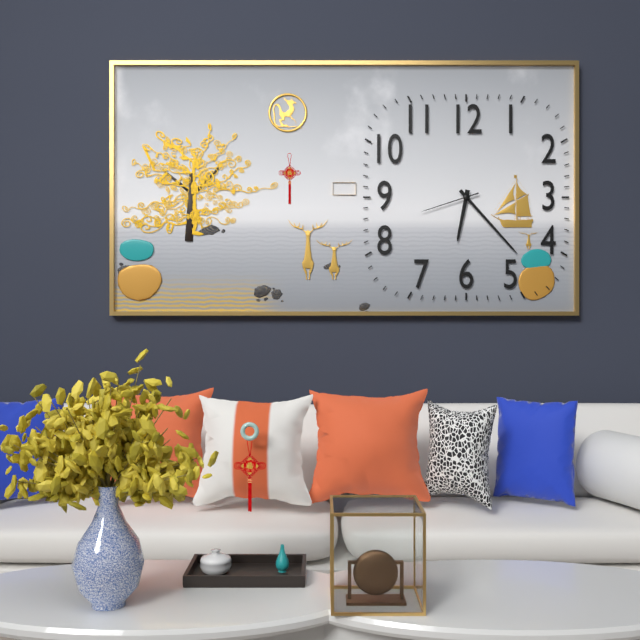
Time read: 6,23,42
